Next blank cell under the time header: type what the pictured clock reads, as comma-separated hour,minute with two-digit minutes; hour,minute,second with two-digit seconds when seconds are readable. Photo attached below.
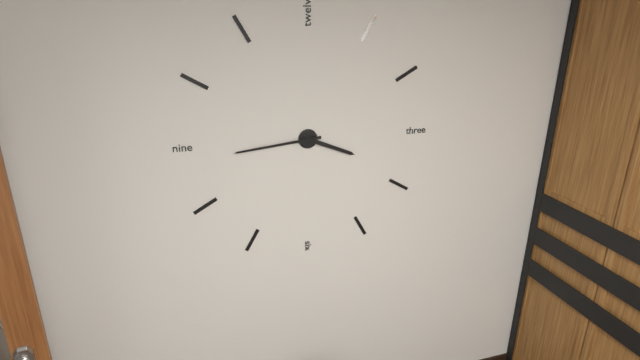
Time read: 3,44
